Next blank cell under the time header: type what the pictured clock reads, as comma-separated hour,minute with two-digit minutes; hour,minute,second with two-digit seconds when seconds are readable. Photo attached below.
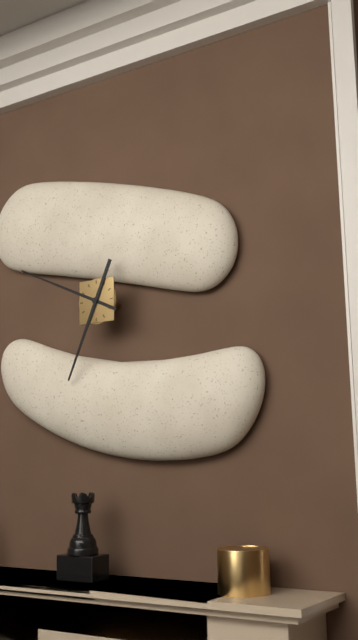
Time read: 6,49
